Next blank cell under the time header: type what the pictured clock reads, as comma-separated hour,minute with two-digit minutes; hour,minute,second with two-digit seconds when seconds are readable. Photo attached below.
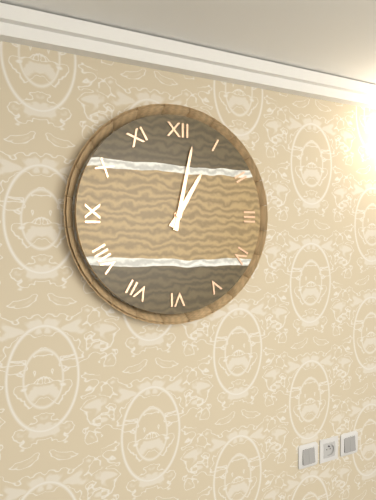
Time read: 1,02
